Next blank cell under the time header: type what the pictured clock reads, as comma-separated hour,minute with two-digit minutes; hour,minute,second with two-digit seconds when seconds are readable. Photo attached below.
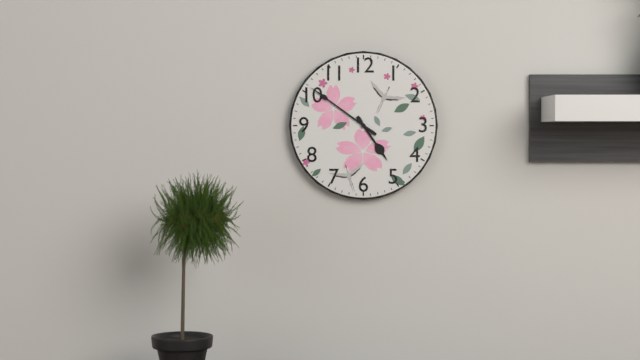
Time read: 4,51
